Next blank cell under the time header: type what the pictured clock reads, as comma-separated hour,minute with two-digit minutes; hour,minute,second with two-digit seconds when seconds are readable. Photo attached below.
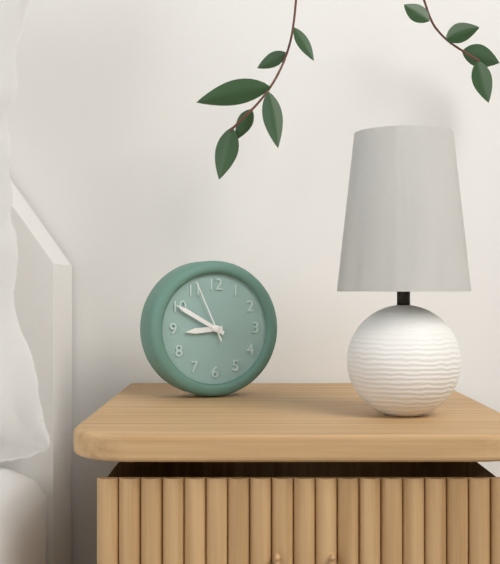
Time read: 8,50,56
